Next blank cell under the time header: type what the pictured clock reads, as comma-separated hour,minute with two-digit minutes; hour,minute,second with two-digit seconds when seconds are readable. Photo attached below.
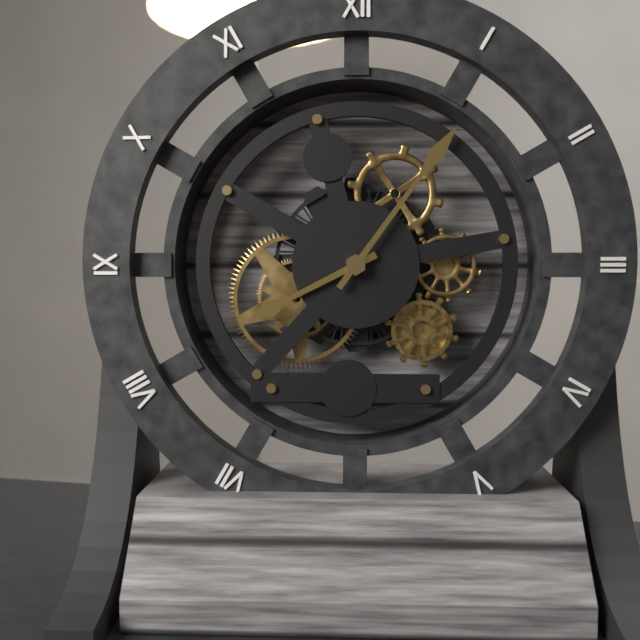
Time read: 8,06
